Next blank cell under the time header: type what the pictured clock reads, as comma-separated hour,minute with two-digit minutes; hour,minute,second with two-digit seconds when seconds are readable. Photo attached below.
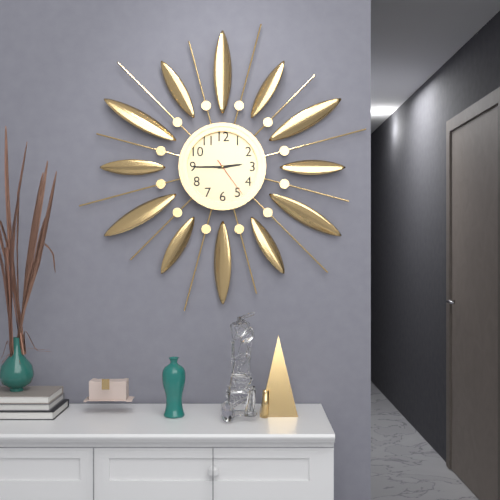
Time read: 2,45
